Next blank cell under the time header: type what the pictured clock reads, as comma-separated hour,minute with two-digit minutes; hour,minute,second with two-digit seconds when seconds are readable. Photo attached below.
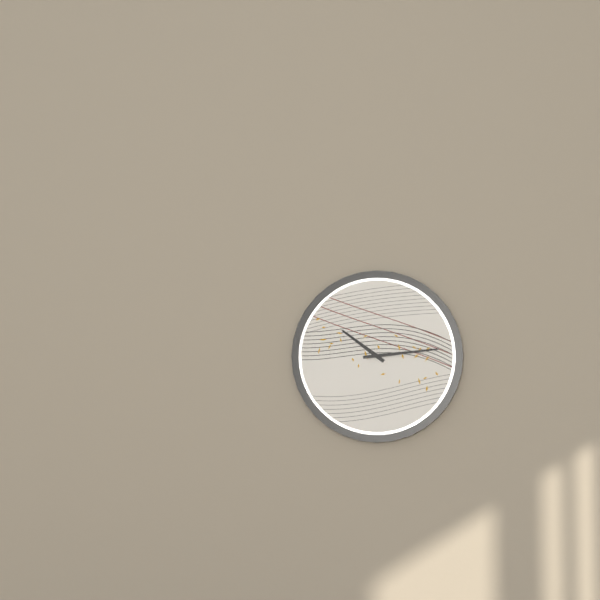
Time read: 10,14
